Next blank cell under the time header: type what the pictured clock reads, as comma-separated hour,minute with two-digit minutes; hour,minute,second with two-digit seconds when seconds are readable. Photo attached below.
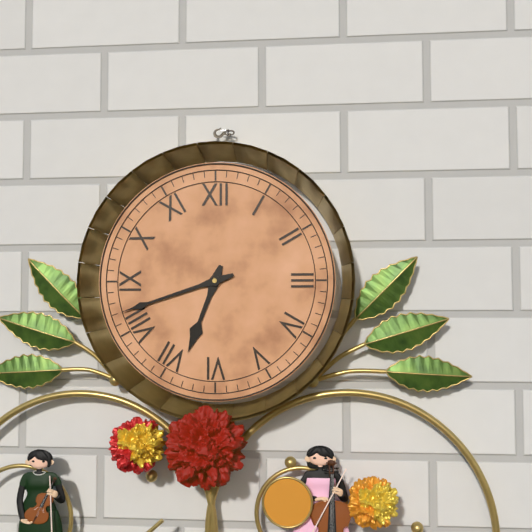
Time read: 6,42
